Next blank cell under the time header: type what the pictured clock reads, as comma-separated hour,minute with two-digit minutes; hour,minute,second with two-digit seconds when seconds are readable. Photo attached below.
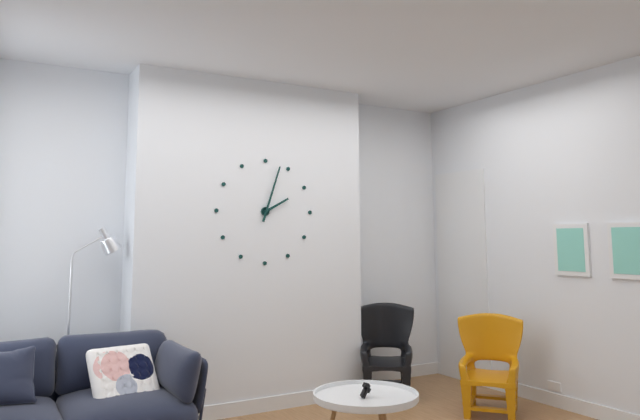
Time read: 2,03
